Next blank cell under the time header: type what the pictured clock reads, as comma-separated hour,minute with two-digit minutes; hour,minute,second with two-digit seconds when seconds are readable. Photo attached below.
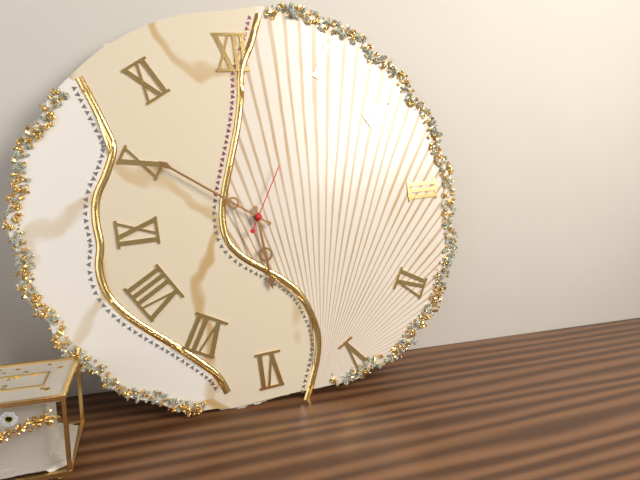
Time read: 5,51,05
